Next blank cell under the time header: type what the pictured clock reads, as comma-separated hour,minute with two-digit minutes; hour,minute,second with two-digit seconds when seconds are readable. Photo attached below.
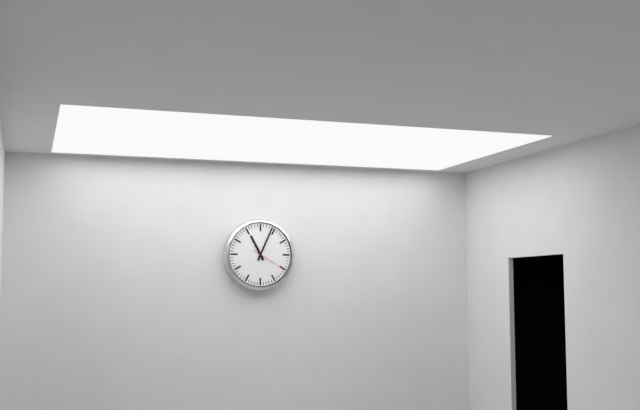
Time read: 11,04
